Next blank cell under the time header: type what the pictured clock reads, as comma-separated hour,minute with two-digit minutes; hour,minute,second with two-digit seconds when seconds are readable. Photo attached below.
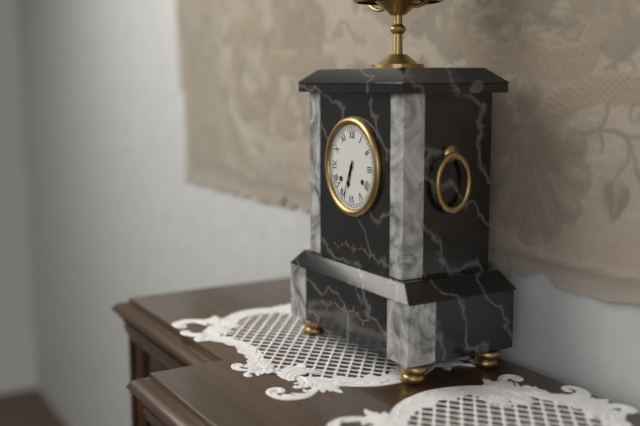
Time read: 6,34
